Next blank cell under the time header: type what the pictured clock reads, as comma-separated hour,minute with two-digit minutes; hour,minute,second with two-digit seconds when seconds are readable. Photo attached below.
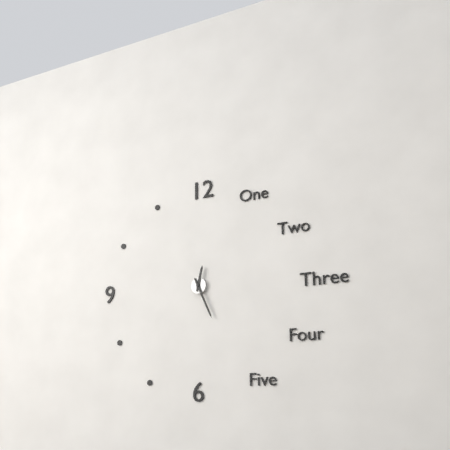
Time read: 12,26
